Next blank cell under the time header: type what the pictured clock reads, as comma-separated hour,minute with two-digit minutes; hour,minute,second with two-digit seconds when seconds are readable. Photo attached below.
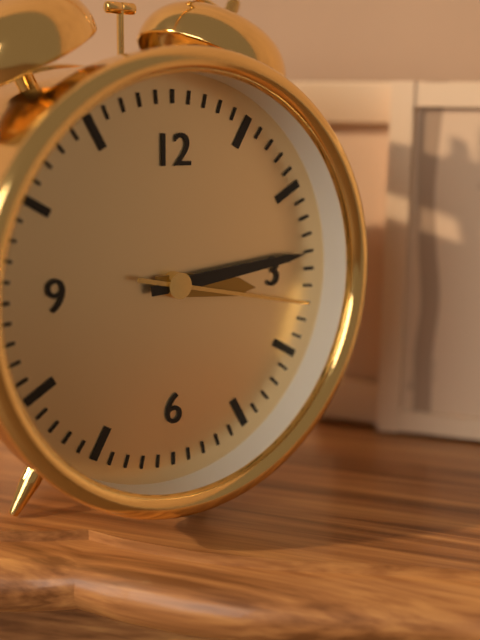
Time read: 3,14,17
